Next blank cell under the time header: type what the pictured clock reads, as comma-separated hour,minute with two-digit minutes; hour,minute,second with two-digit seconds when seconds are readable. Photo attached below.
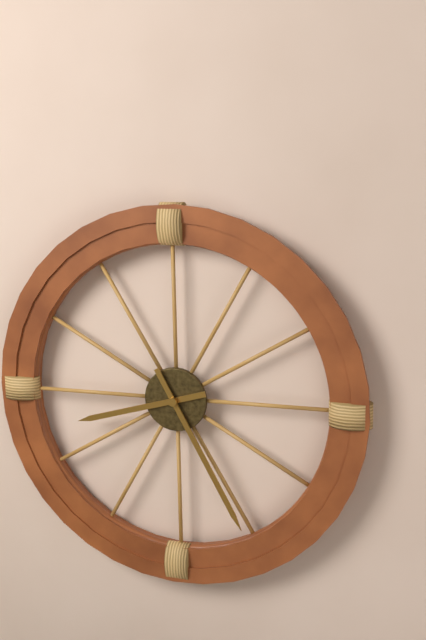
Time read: 8,25
